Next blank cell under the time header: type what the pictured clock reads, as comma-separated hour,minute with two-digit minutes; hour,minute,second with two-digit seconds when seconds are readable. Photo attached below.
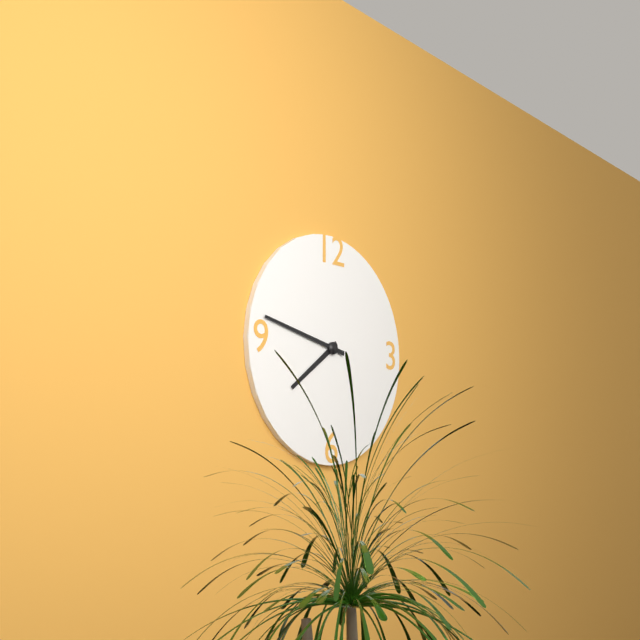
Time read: 7,47
